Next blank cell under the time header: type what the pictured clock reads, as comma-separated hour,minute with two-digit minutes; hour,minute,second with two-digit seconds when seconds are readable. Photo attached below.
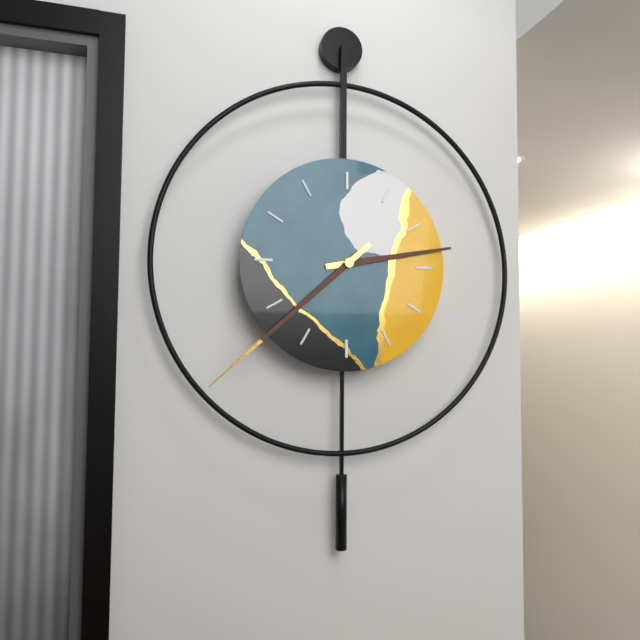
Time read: 2,38
